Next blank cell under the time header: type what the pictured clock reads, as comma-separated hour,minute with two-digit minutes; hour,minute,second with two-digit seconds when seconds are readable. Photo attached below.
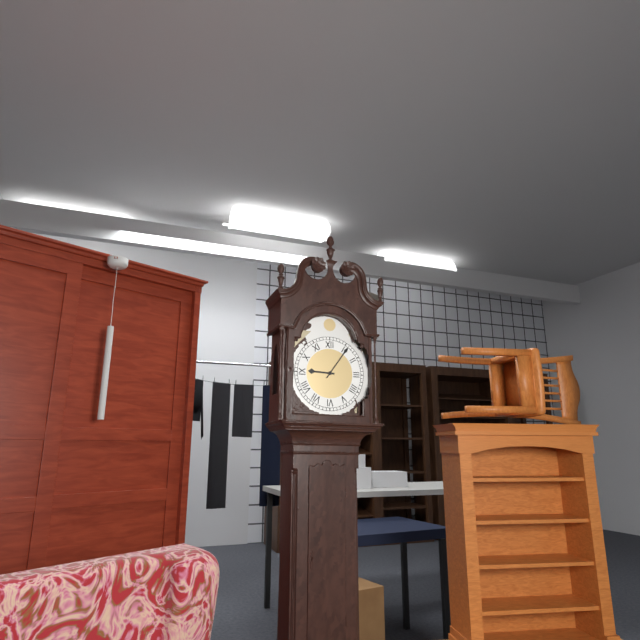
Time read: 9,06
